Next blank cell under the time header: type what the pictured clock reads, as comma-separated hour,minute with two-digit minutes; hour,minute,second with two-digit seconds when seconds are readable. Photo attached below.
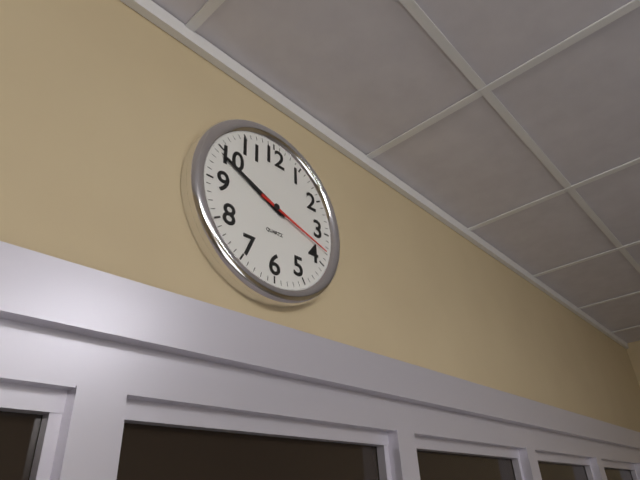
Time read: 9,49,18
